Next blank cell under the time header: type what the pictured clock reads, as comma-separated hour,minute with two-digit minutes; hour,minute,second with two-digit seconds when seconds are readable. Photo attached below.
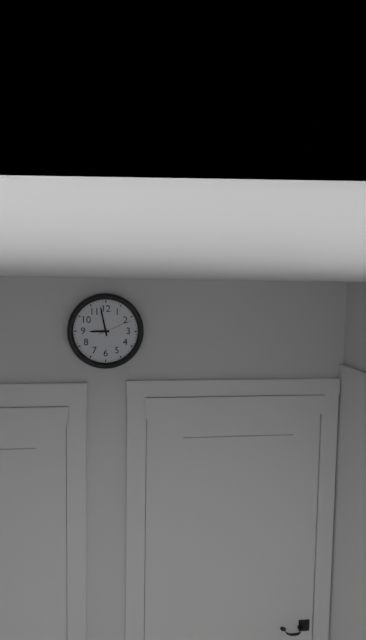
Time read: 8,58
